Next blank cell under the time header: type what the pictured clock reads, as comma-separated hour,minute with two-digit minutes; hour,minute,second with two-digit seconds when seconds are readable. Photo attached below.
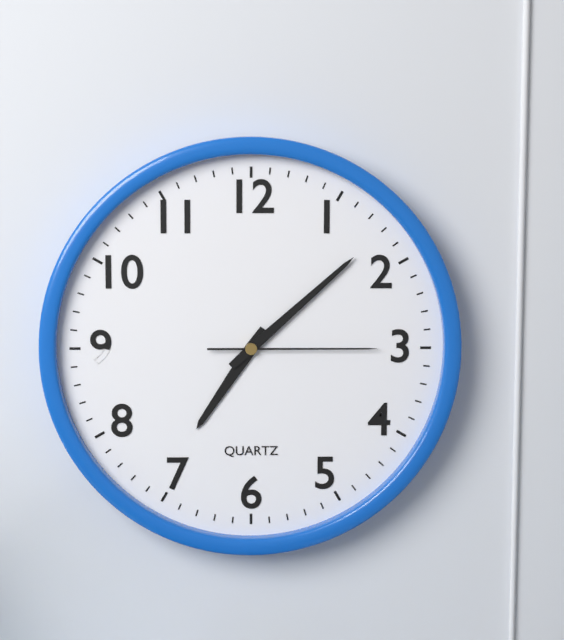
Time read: 7,08,15
